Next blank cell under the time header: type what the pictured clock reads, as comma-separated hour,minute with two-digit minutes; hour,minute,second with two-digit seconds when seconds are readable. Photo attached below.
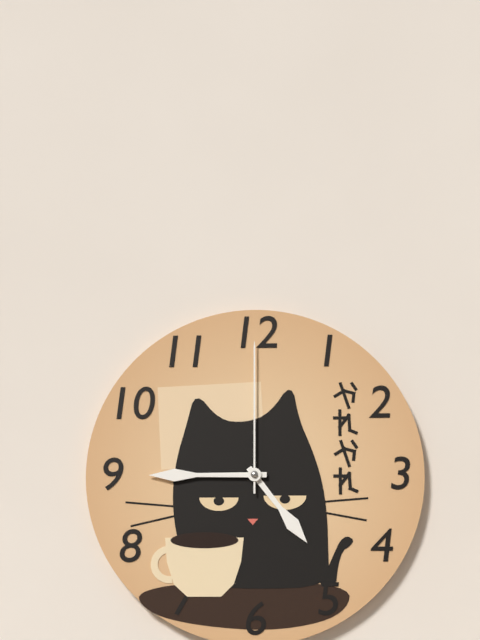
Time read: 4,45,00
